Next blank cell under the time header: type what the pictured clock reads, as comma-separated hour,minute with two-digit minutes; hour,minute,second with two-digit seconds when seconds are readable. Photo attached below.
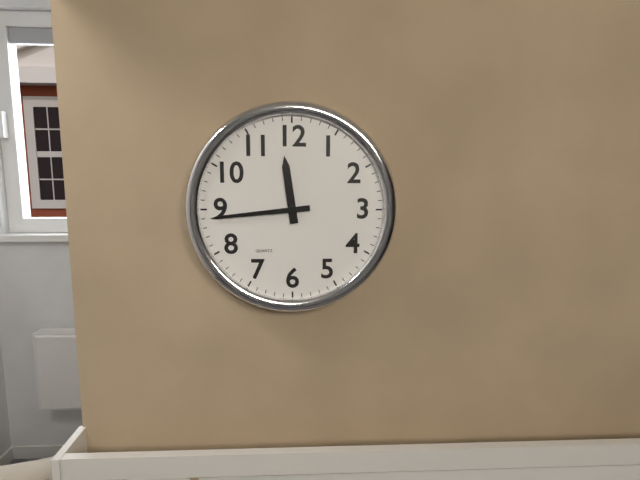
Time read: 11,44
